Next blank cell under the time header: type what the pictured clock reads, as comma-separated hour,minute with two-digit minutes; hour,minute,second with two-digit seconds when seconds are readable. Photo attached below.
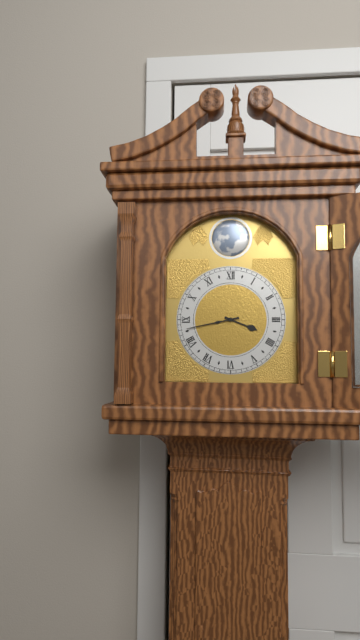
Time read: 3,43
